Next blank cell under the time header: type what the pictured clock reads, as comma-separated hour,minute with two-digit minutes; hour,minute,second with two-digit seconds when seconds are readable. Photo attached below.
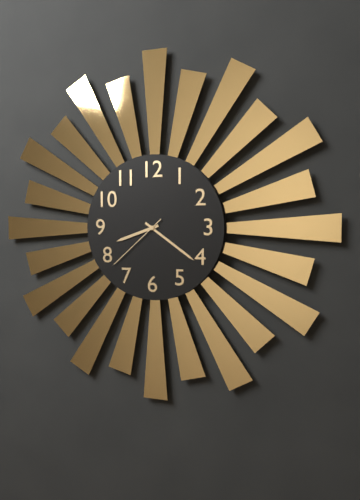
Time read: 8,21,38
